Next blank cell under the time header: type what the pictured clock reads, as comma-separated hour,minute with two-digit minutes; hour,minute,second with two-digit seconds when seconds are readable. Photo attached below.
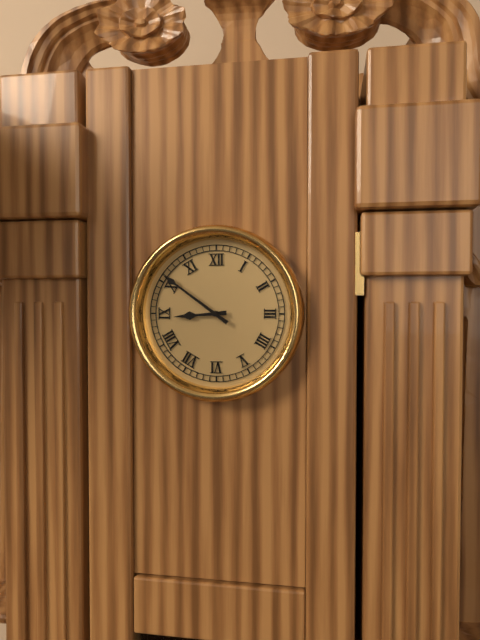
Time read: 8,51
